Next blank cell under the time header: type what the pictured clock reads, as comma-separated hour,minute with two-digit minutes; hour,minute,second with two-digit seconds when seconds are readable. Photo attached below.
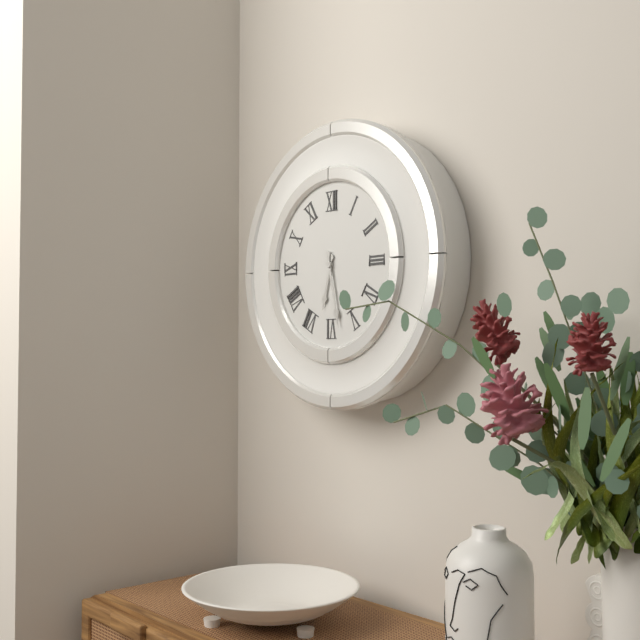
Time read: 6,28
